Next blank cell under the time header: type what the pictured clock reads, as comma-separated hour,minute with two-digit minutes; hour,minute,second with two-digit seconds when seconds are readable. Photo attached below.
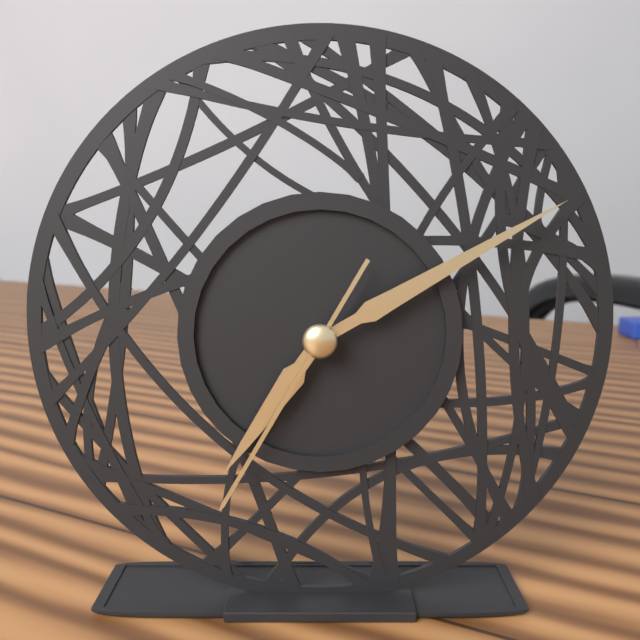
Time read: 7,10,35
